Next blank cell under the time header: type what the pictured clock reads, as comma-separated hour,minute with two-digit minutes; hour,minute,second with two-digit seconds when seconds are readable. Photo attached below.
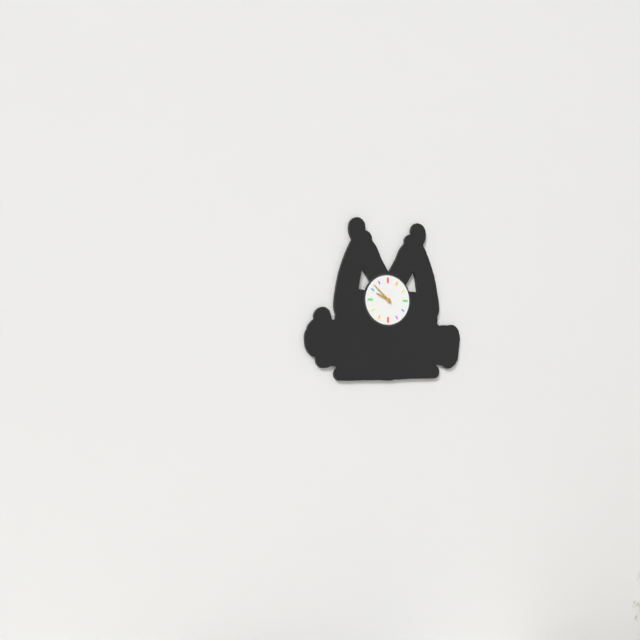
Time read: 9,52
